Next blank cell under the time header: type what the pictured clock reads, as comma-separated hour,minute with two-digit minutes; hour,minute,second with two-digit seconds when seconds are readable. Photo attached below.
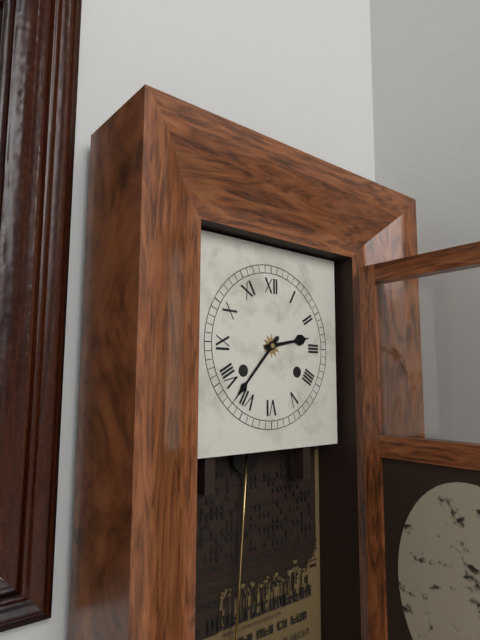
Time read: 2,37
